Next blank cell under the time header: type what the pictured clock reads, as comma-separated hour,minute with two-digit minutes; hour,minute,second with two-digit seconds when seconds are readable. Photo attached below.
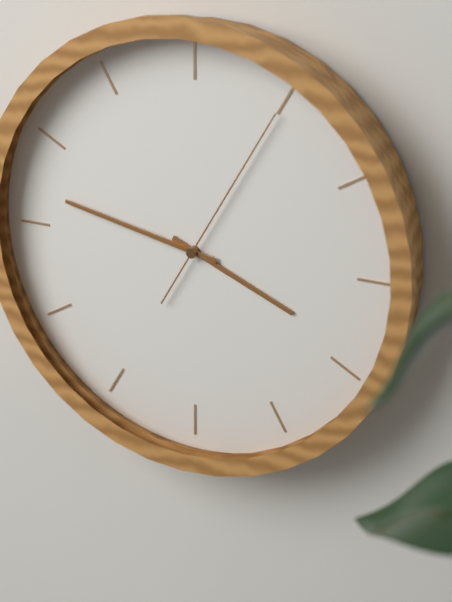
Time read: 3,47,05
